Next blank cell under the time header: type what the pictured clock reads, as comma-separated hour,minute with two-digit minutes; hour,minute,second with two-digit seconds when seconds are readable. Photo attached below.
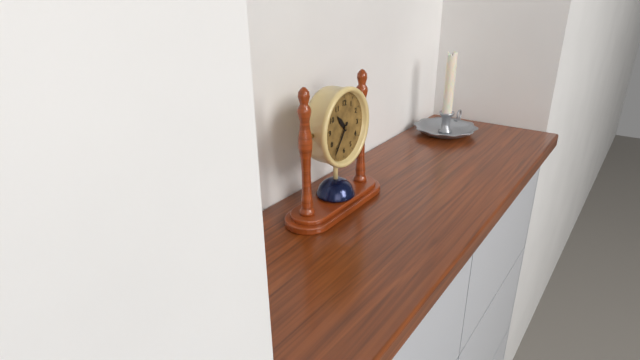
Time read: 10,36
